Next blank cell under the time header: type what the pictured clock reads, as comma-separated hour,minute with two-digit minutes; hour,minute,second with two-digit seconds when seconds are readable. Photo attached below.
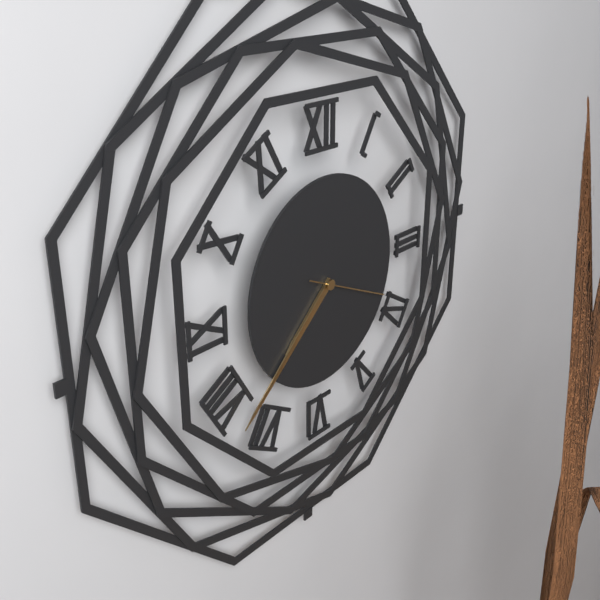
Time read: 7,38,19
